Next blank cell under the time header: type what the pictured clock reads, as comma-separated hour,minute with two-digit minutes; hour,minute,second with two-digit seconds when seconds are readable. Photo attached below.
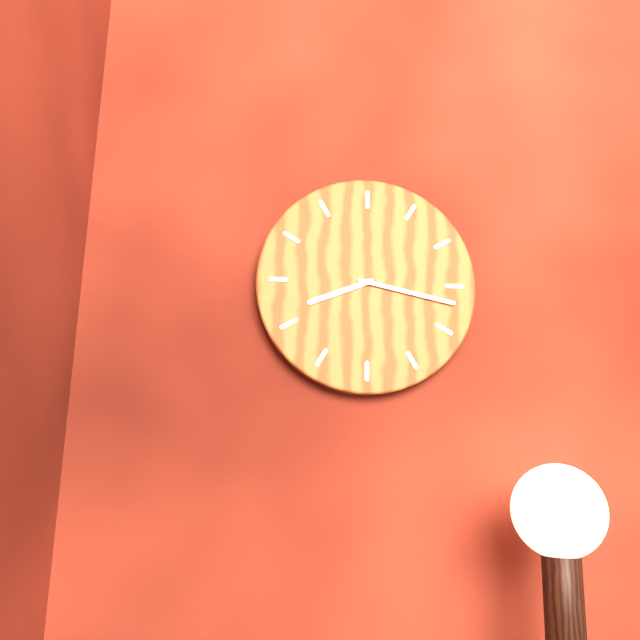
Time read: 8,17
